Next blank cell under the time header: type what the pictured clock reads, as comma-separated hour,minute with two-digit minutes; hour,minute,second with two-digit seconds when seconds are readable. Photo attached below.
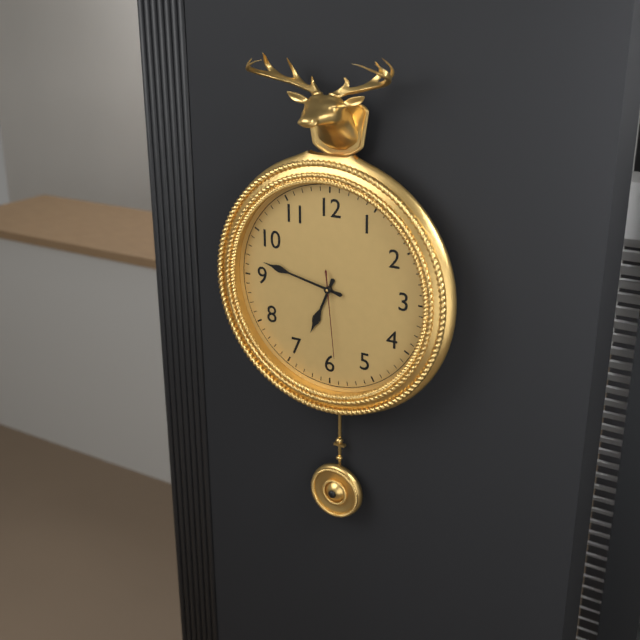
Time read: 6,47,29
